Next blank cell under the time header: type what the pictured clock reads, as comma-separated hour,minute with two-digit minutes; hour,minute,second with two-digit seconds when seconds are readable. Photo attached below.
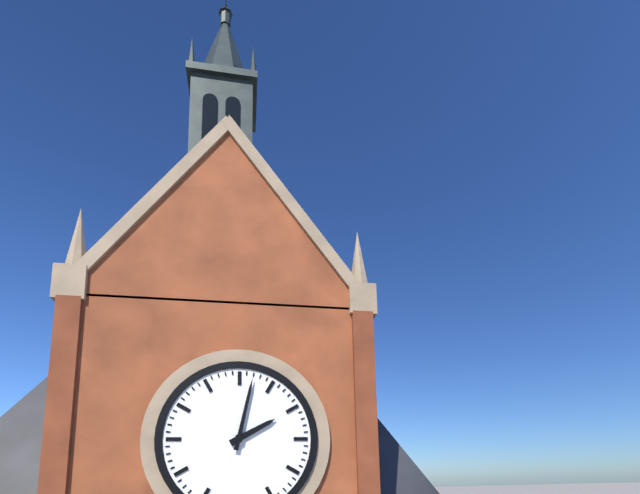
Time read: 2,02
